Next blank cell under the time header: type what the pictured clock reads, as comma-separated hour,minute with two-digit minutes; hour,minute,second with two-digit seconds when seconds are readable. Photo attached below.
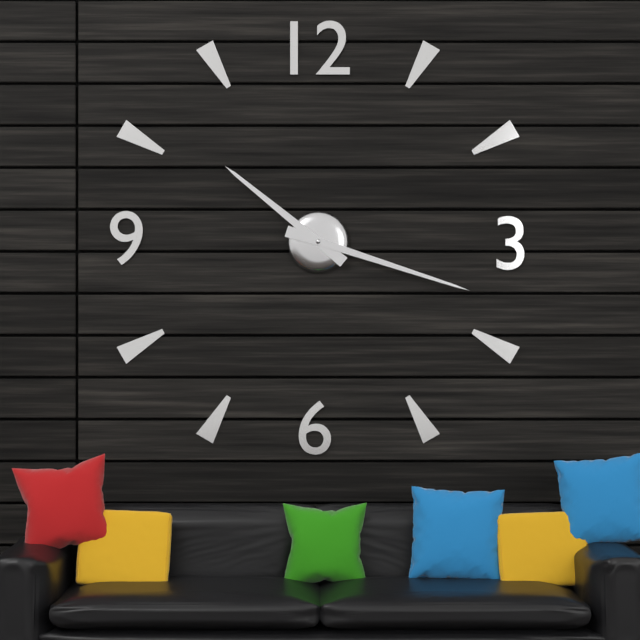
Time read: 10,18
